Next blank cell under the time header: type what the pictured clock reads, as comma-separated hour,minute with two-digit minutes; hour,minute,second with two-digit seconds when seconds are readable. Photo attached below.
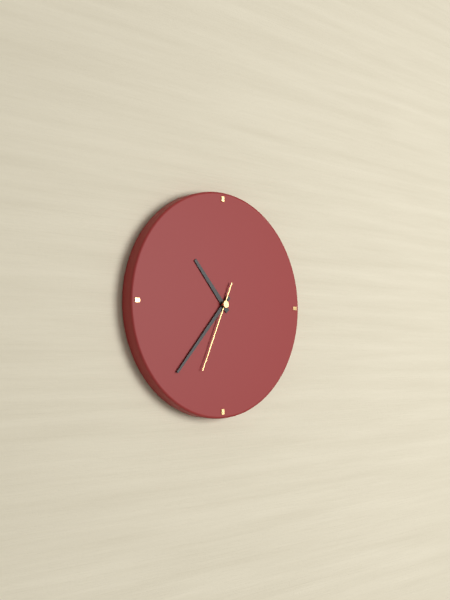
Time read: 10,37,34
